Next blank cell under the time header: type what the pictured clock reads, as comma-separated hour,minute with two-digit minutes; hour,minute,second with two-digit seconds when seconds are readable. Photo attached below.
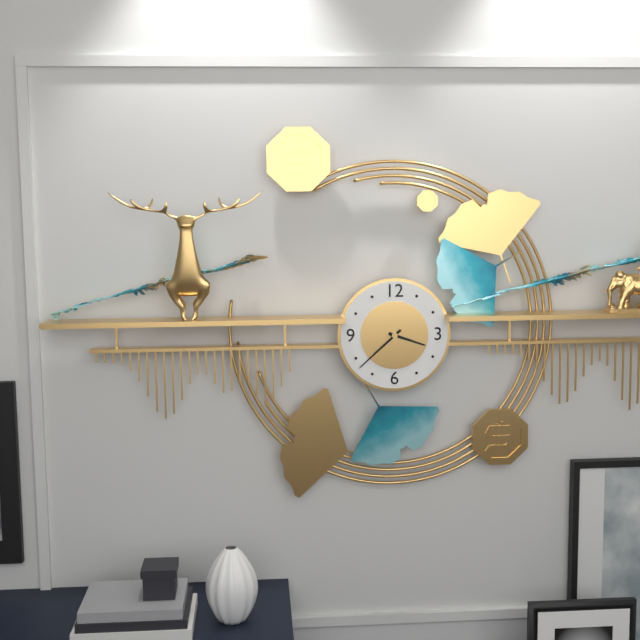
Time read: 3,38
